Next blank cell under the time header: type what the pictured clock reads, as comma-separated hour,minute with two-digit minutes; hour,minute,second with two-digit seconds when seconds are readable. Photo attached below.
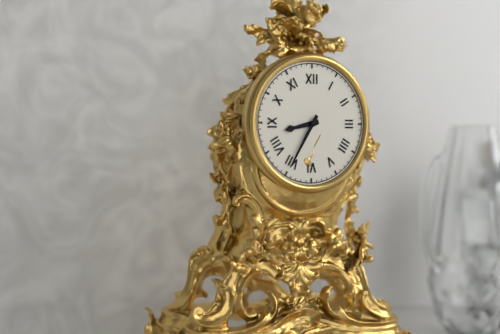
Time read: 8,35
